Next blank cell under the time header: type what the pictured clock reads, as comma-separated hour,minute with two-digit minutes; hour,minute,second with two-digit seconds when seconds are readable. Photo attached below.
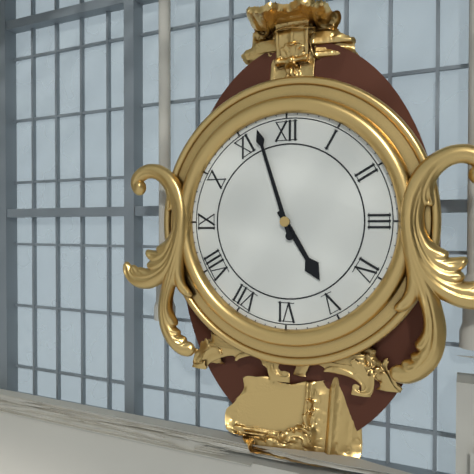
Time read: 4,57
